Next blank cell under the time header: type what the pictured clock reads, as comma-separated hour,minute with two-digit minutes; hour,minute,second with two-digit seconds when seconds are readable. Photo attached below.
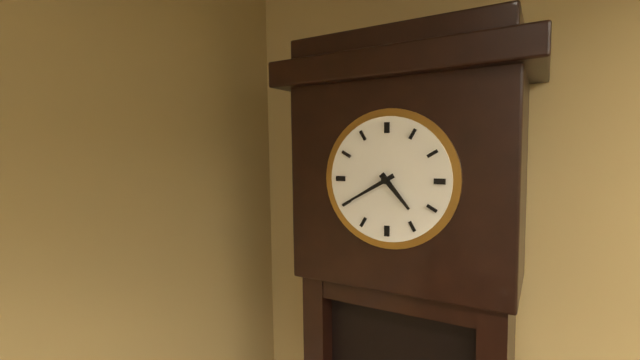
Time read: 4,40
